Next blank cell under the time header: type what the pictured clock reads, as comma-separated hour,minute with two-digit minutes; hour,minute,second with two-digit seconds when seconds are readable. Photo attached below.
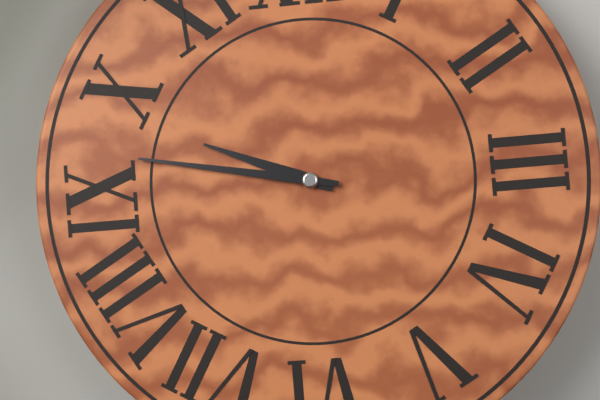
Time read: 9,47
